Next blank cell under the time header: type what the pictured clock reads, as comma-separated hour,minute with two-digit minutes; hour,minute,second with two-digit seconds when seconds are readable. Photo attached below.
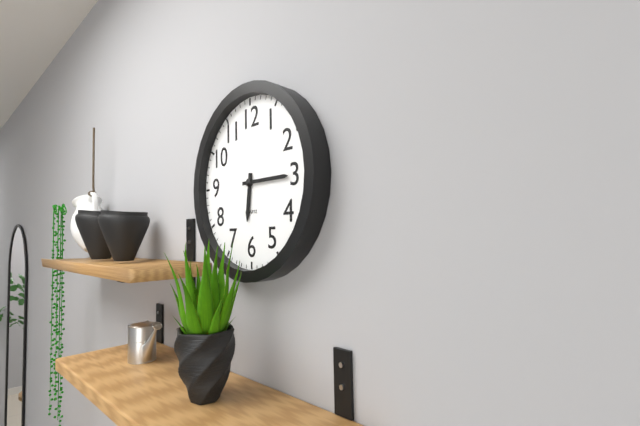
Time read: 6,15
